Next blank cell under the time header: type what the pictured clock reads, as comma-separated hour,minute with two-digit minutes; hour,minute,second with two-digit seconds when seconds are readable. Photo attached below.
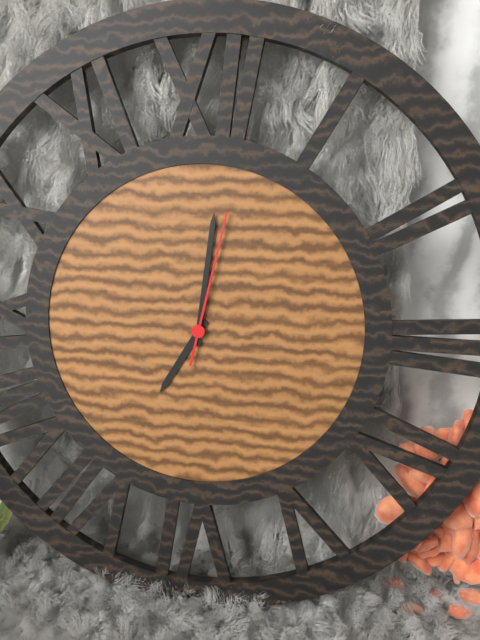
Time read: 7,01,02
